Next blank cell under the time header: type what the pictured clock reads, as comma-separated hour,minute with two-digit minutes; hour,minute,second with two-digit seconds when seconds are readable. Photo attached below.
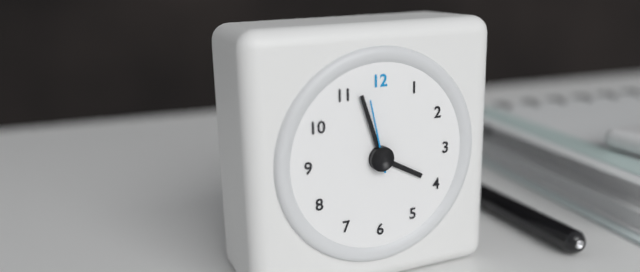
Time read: 3,57,58
